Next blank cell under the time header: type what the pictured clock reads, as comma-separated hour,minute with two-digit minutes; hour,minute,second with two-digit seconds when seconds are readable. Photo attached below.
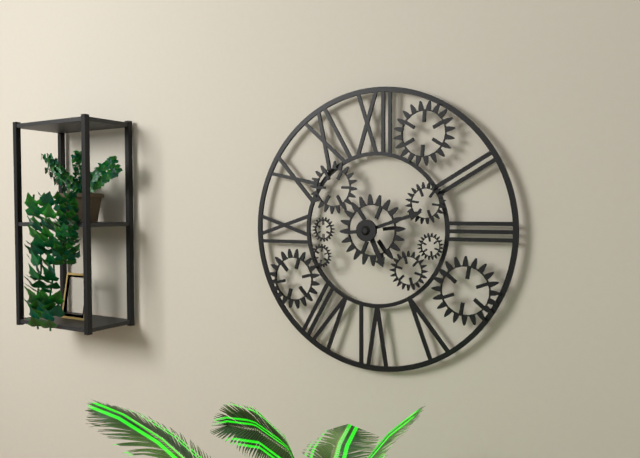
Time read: 5,12
